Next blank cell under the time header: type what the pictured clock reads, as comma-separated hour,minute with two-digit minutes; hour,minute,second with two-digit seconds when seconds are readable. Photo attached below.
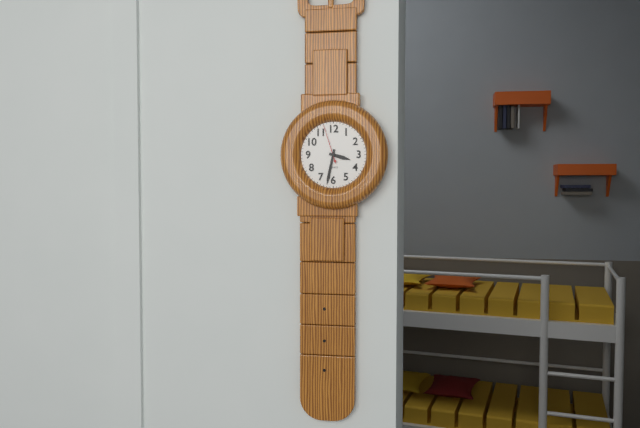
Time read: 3,32
